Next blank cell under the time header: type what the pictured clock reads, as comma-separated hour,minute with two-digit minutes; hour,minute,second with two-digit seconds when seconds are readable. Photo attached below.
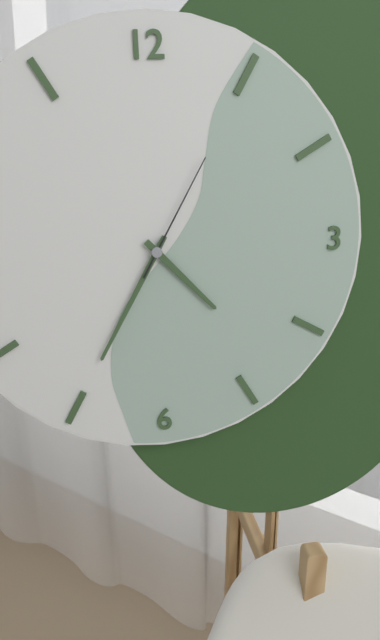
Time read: 4,35,05
